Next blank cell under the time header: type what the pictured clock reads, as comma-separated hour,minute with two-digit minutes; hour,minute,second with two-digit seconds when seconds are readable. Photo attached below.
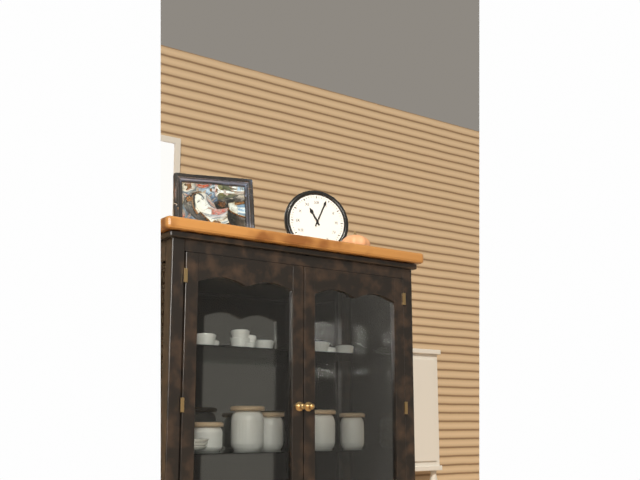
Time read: 11,04
